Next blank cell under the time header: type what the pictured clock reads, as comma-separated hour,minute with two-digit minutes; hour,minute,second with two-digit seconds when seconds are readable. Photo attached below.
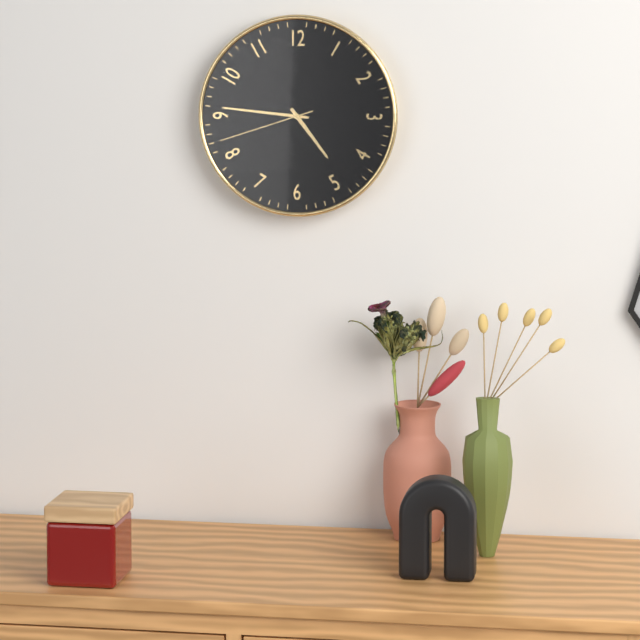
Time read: 4,46,42
